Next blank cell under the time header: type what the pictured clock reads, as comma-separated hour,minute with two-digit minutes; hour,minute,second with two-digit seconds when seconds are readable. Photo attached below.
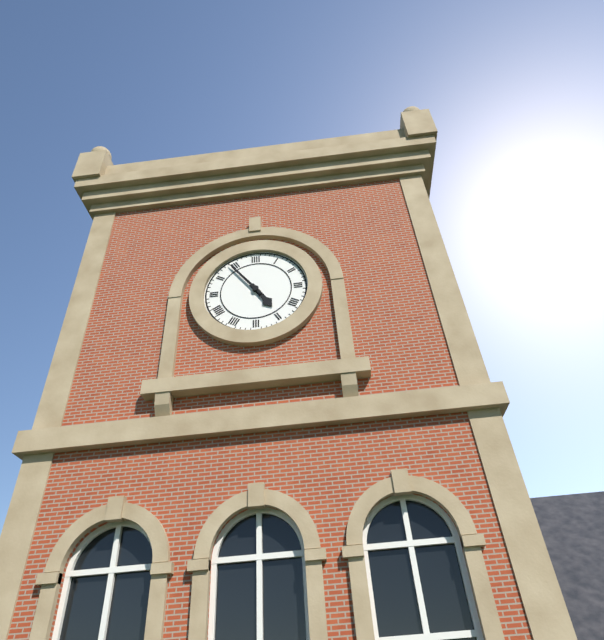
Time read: 4,54
